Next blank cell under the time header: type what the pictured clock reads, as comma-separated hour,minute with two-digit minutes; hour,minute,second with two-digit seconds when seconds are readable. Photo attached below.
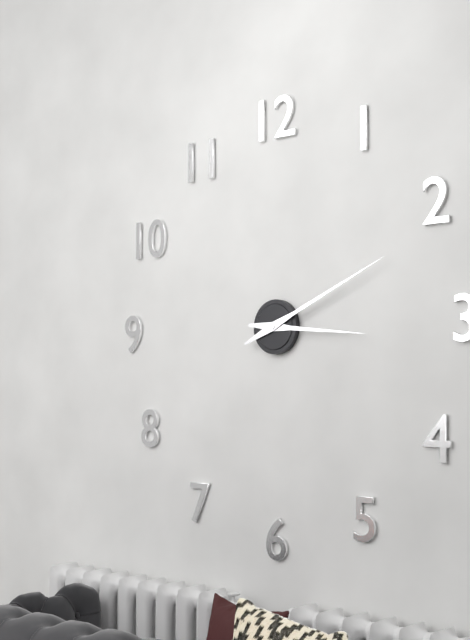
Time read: 3,11
